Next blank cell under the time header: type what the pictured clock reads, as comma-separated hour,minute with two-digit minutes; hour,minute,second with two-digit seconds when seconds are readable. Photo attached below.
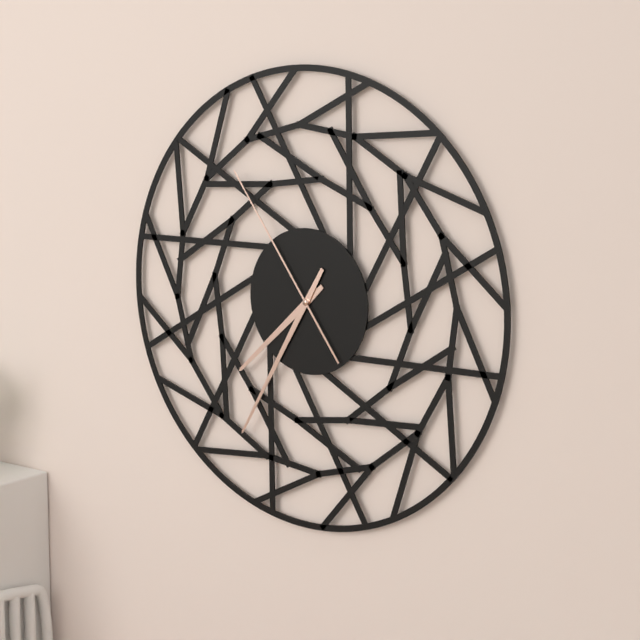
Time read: 7,35,54
